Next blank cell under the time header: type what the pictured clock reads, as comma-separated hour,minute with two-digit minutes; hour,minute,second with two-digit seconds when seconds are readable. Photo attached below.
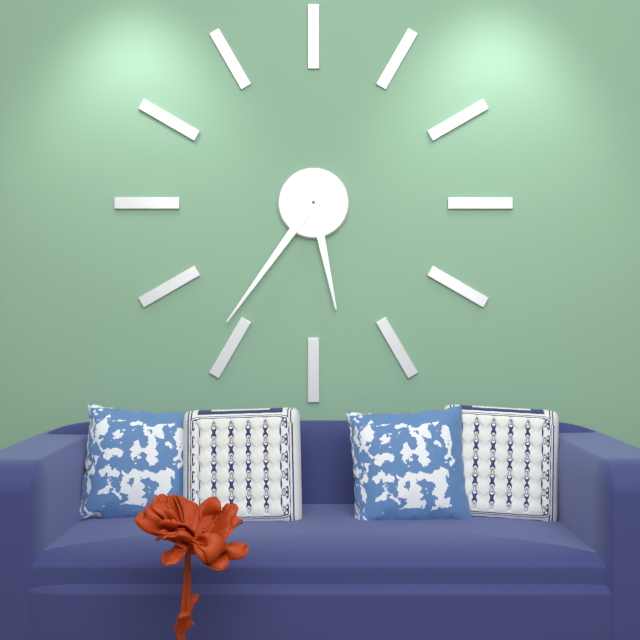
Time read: 5,36
